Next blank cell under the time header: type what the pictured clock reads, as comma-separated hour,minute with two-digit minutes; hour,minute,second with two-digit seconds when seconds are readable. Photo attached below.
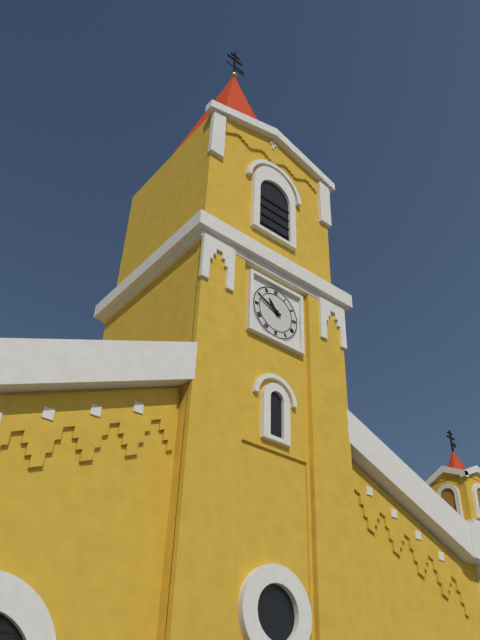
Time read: 10,49
